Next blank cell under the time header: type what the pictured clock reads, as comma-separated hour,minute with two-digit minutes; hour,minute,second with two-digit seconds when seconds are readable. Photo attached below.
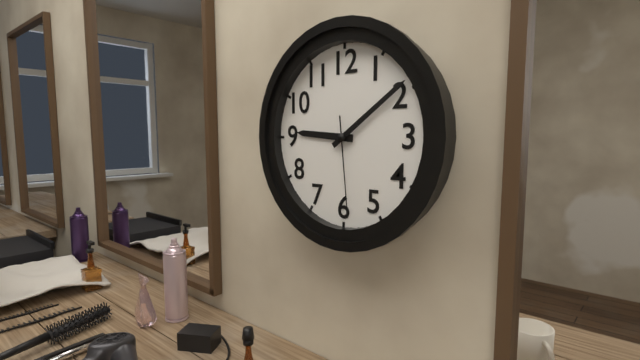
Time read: 9,09,29
